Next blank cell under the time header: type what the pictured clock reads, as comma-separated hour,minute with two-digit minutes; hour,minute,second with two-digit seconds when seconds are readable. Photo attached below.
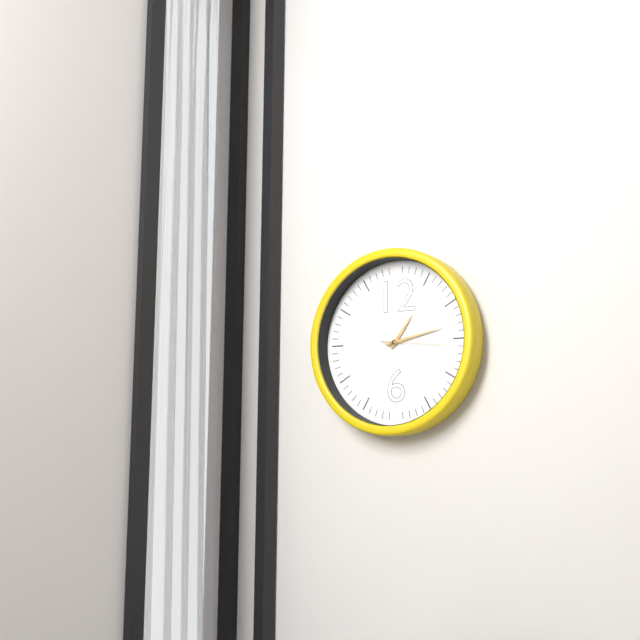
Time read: 1,13,16
